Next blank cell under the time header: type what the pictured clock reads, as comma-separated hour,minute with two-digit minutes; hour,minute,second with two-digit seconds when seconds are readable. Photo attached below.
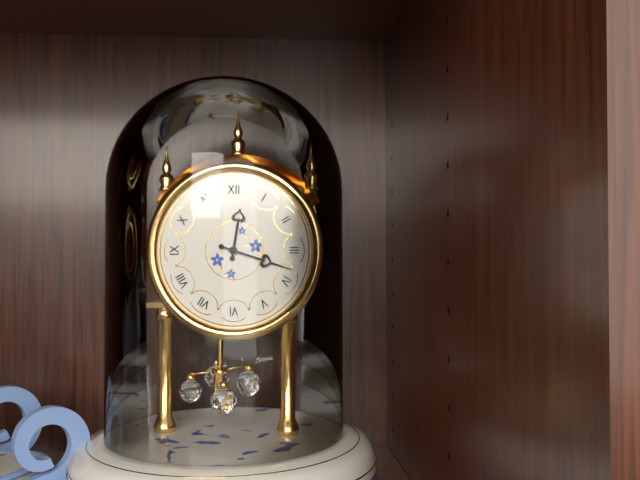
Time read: 12,18
